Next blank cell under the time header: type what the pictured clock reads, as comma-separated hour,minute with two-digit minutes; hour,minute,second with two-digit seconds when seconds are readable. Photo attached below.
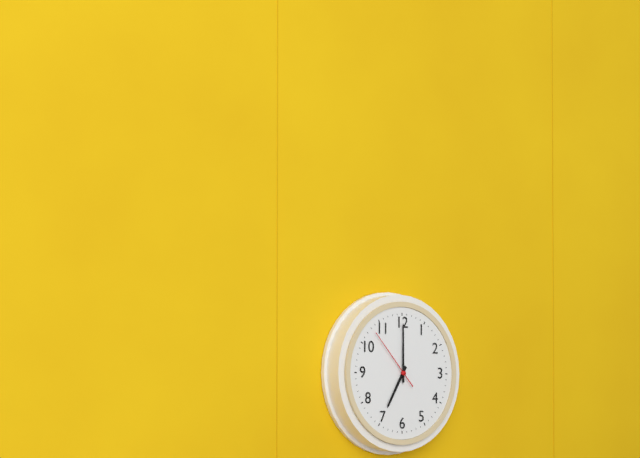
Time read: 7,00,53
